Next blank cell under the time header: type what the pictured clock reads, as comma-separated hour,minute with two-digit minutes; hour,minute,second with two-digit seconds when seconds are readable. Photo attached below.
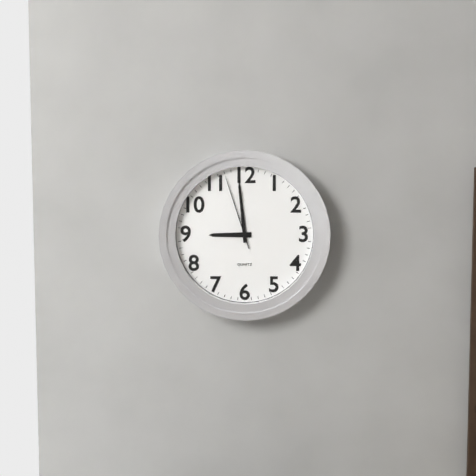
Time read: 8,59,57
